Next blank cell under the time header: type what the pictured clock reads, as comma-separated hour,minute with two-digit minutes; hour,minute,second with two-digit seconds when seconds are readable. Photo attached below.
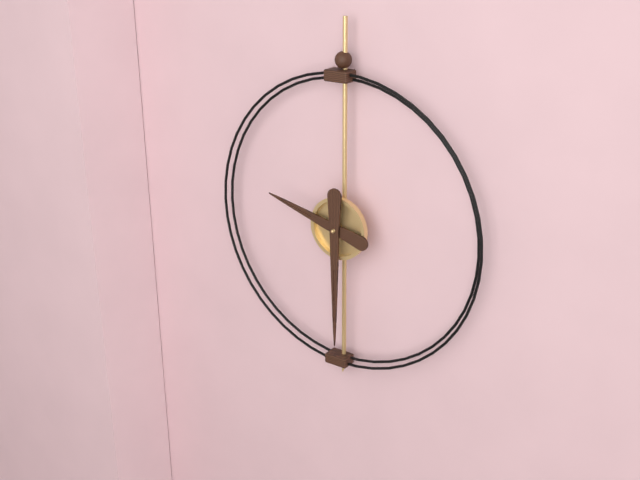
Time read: 9,30
